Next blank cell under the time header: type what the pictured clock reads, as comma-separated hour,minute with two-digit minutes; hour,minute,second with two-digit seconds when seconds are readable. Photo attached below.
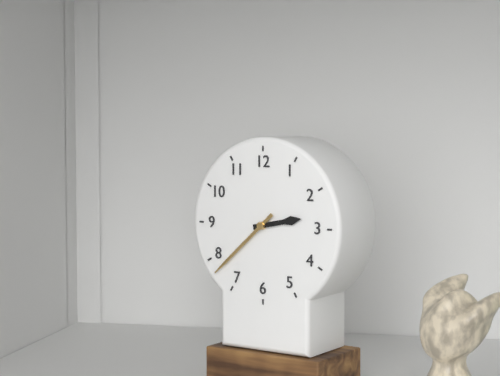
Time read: 2,38
